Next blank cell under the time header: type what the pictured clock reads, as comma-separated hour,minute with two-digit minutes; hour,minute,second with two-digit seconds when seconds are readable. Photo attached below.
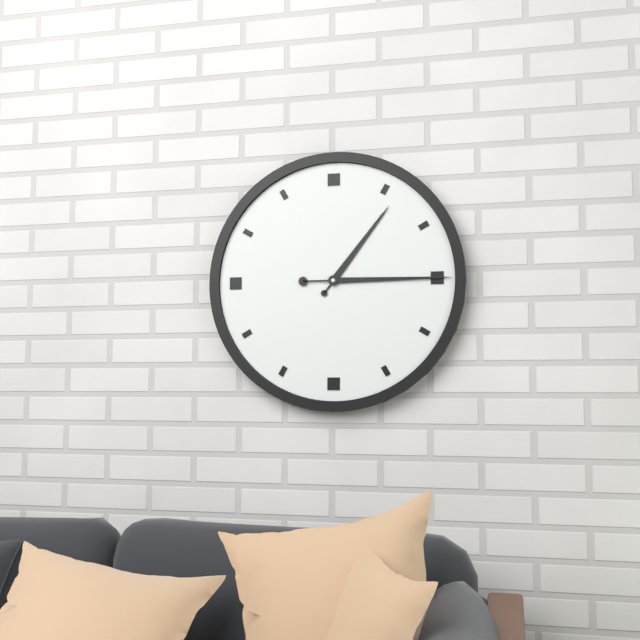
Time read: 1,15
